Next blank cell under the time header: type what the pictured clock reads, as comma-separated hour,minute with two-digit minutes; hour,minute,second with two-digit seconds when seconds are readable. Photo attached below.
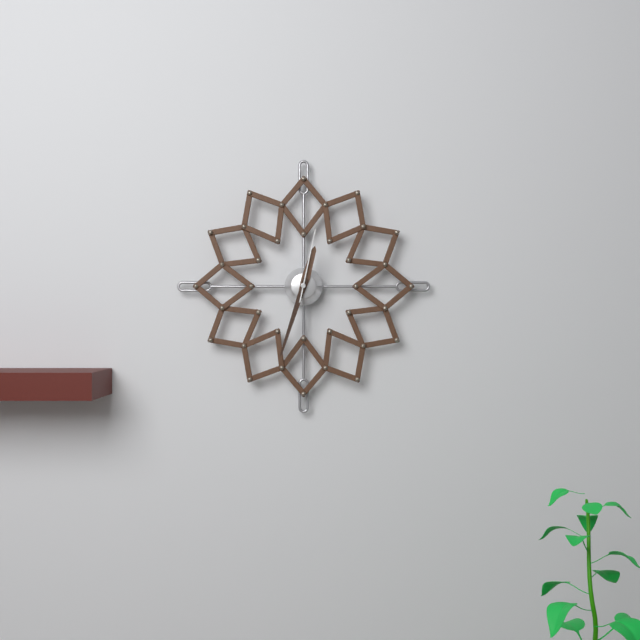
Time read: 12,33,02
